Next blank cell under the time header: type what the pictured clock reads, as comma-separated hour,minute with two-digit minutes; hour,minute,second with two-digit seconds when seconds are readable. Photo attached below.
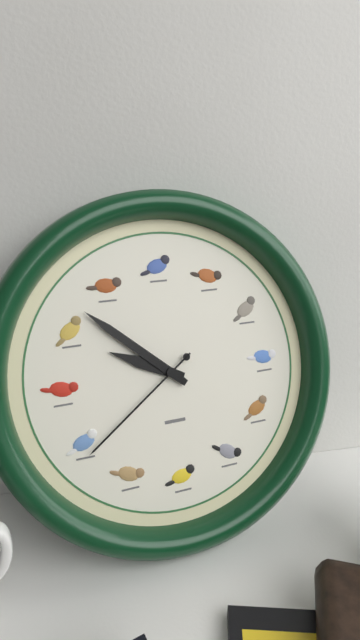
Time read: 9,52,39
